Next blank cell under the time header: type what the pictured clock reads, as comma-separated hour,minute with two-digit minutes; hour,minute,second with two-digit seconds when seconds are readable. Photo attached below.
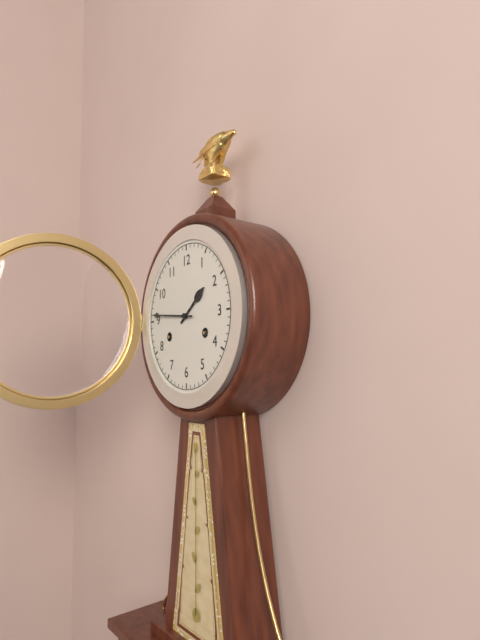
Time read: 1,46
